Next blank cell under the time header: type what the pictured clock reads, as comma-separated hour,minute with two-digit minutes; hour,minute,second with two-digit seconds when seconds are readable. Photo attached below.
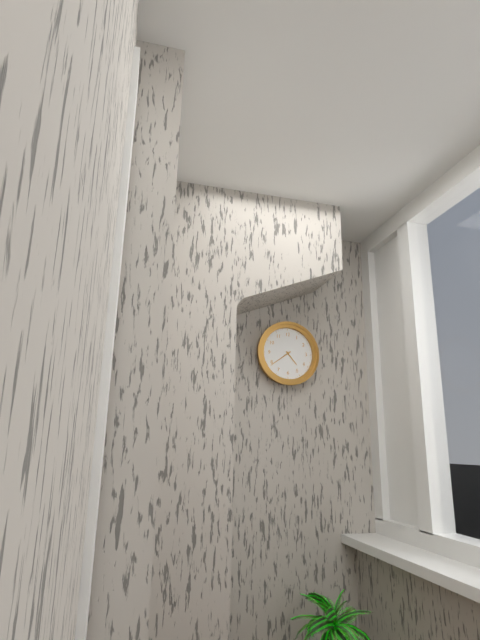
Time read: 4,39
